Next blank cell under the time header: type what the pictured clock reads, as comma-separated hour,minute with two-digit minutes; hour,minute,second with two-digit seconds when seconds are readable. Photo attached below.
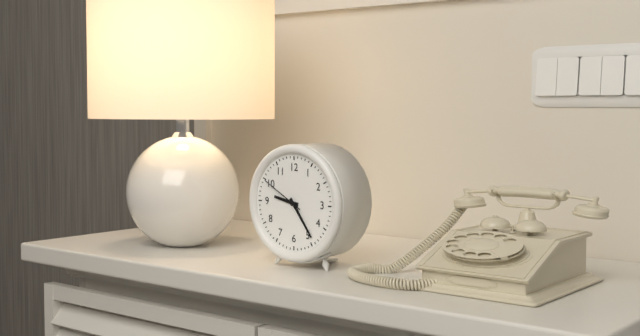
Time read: 9,24
